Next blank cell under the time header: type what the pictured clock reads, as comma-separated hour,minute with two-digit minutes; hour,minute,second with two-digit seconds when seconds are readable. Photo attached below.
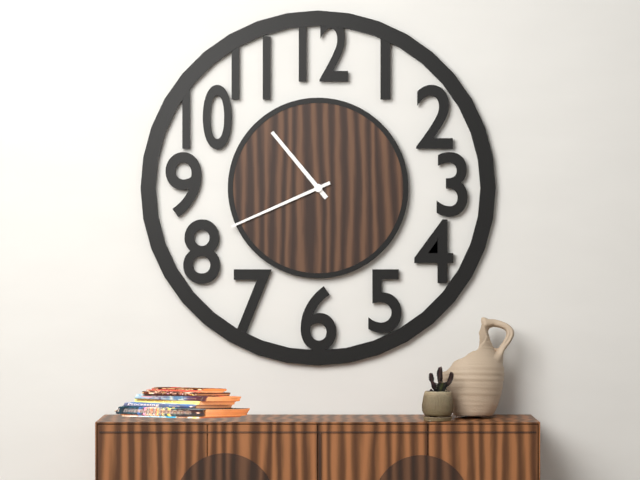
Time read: 10,41
